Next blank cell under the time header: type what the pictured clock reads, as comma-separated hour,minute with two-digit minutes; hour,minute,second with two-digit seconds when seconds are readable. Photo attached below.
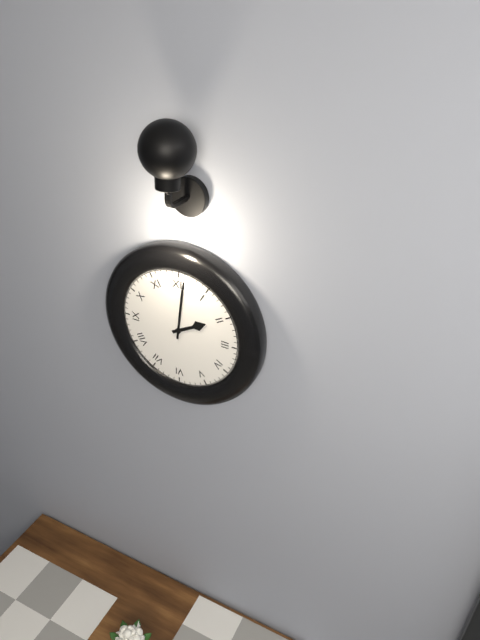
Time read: 2,01
